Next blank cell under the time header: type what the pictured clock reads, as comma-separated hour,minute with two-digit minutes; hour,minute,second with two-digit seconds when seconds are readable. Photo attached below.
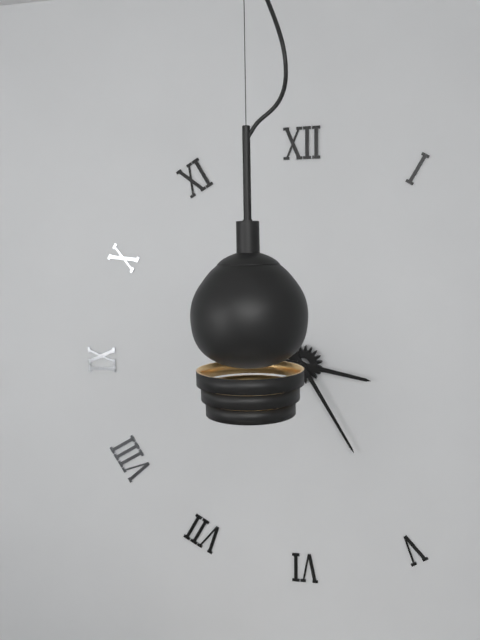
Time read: 3,25
